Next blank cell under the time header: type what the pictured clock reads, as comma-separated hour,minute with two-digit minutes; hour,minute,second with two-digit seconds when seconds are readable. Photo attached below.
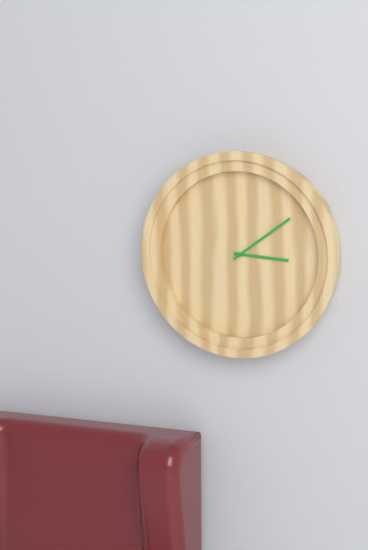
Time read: 3,09
